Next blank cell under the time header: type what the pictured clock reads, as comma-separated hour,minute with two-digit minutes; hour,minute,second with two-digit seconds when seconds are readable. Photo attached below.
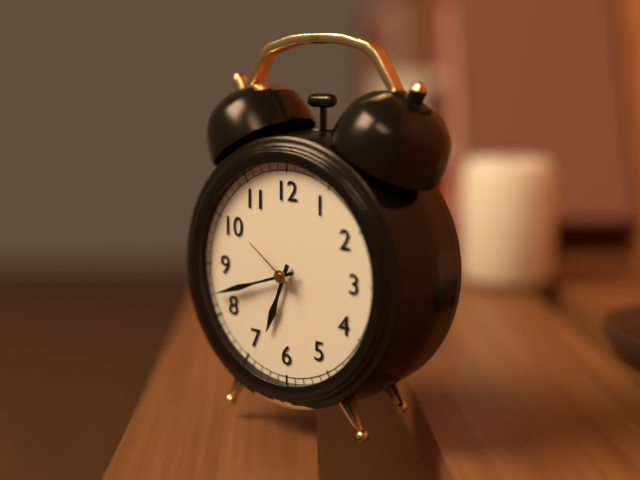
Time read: 6,42,51
